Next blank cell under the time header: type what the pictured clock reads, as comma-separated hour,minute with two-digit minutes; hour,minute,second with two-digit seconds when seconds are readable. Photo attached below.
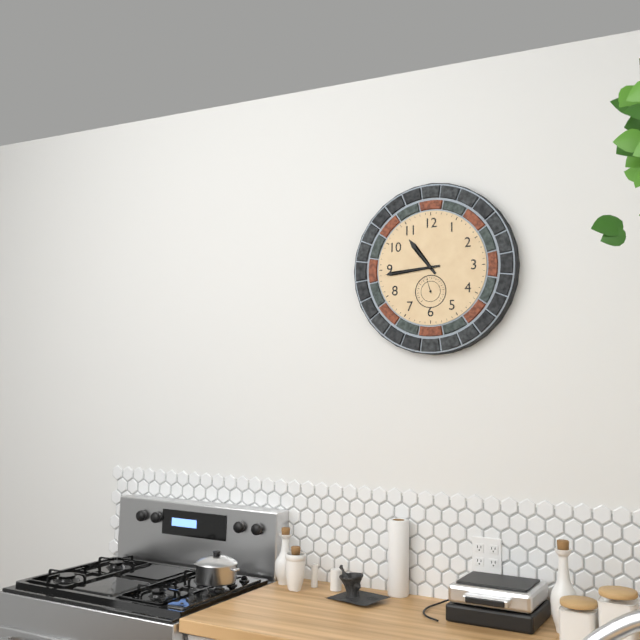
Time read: 10,44
